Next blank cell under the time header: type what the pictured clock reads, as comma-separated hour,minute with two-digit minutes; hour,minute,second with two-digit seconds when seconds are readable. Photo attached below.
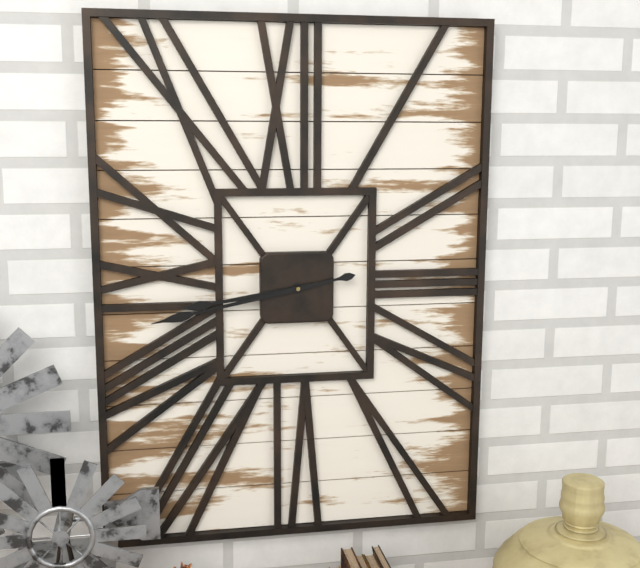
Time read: 8,43
